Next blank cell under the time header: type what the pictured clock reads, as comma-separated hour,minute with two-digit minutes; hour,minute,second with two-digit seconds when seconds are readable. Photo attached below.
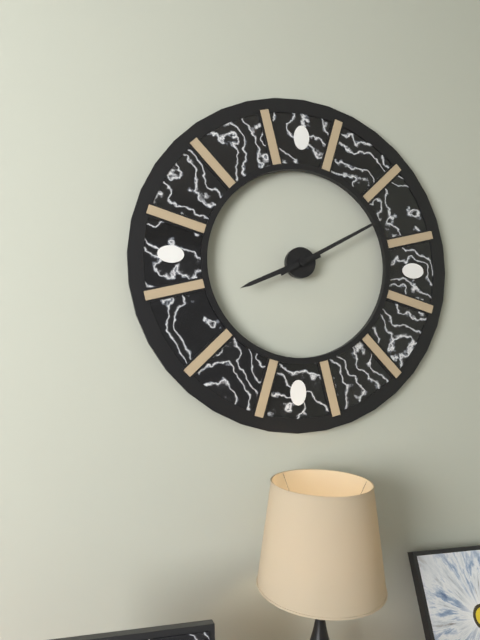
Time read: 8,10
